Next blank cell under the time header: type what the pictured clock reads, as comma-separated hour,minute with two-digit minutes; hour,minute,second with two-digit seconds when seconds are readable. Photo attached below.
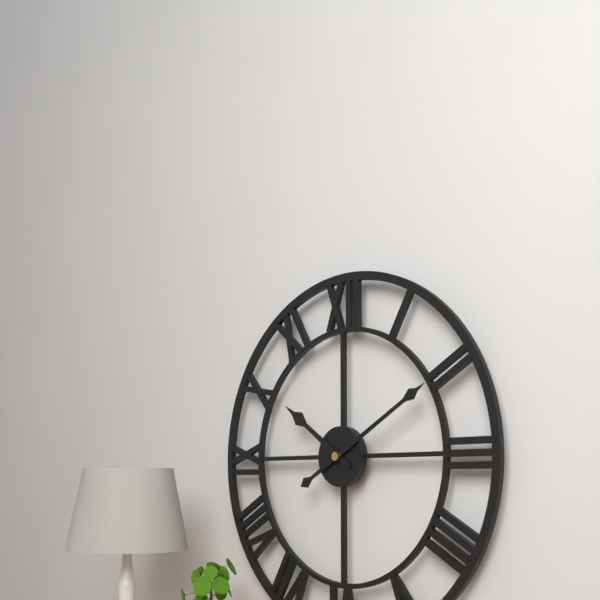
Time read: 10,10
